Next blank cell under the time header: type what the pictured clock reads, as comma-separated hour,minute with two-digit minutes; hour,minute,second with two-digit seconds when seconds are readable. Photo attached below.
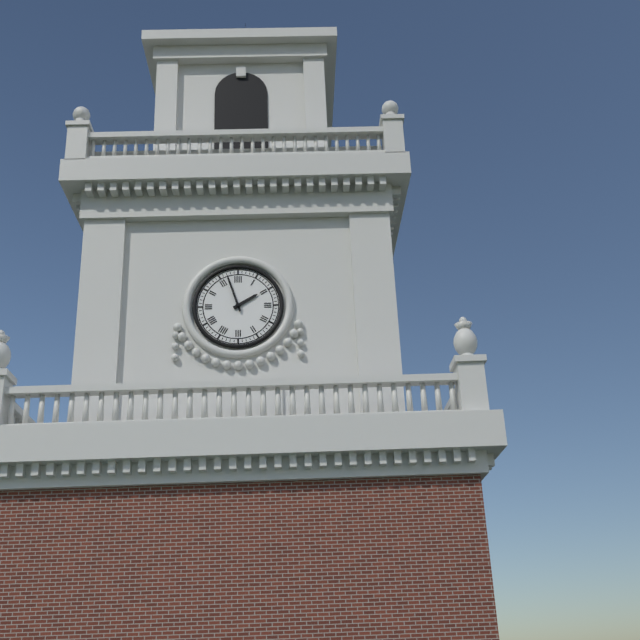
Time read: 1,57
